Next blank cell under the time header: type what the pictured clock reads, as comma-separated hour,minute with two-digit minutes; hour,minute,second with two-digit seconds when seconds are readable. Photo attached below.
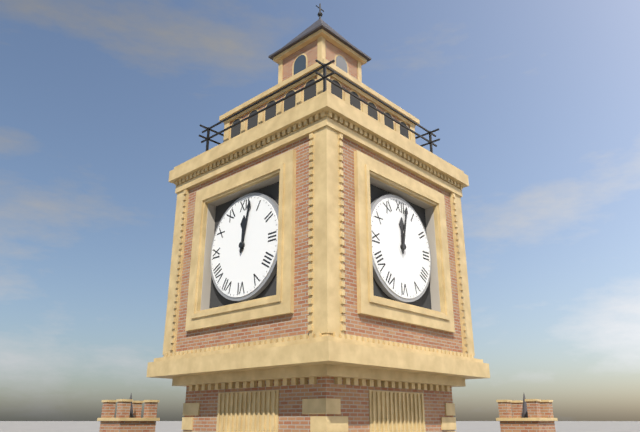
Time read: 12,02
